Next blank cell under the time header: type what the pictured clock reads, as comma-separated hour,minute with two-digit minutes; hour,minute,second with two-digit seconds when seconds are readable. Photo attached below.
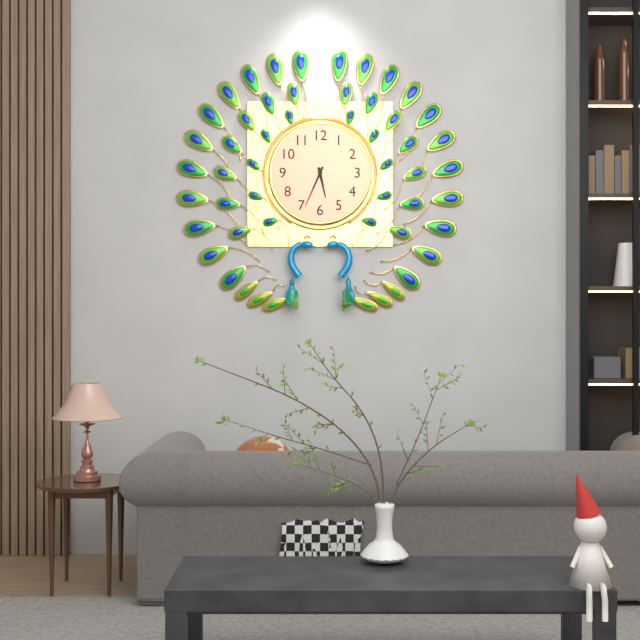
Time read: 5,34
